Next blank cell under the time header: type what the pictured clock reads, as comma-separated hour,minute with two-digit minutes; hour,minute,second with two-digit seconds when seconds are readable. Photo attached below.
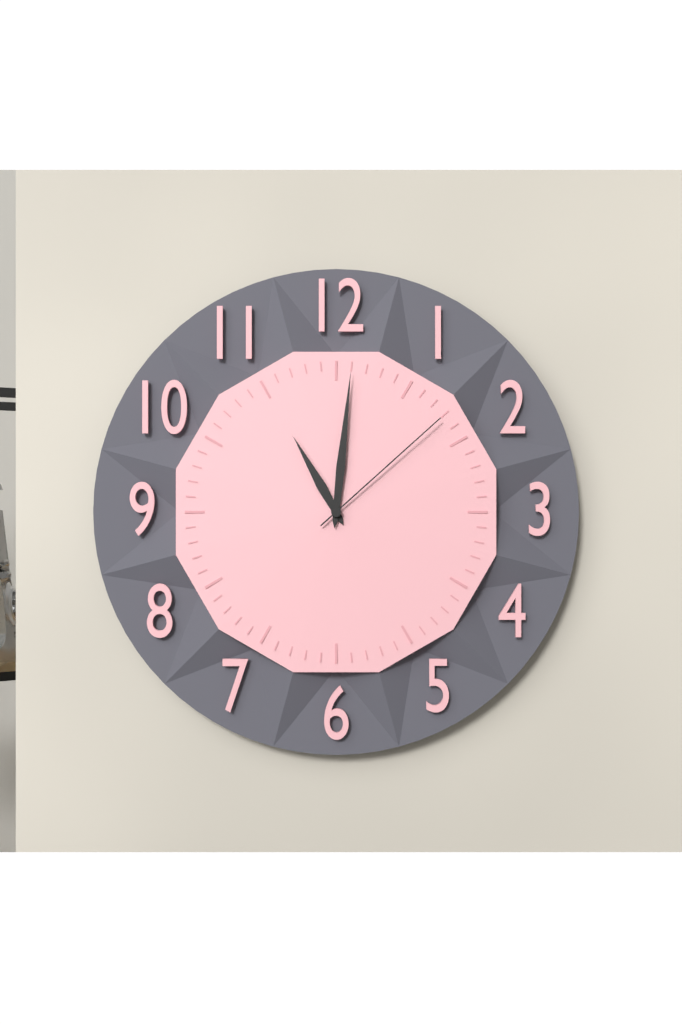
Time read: 11,01,08
